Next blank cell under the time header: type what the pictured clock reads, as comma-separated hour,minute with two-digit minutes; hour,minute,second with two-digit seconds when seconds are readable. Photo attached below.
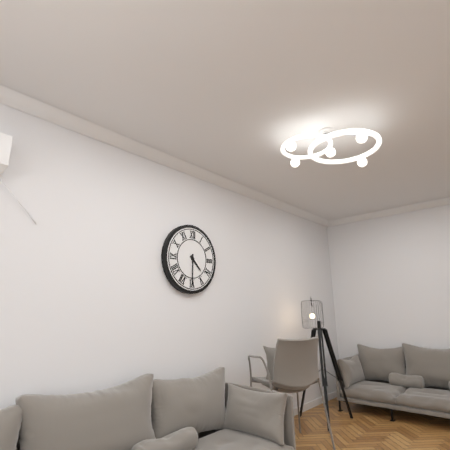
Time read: 4,30
